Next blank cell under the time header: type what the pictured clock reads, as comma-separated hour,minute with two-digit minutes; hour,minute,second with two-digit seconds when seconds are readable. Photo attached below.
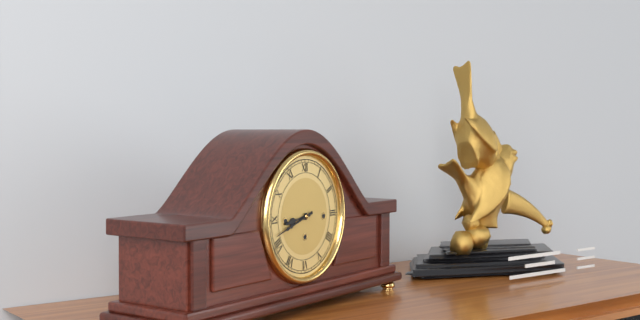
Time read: 8,42
